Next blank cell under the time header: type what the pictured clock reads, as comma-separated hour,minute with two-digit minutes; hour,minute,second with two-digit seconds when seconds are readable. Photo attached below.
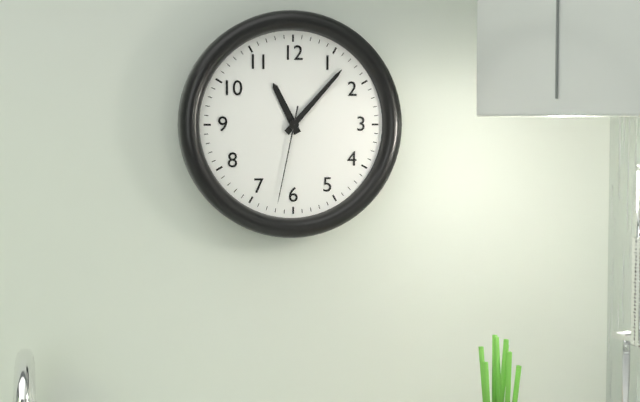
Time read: 11,07,32
